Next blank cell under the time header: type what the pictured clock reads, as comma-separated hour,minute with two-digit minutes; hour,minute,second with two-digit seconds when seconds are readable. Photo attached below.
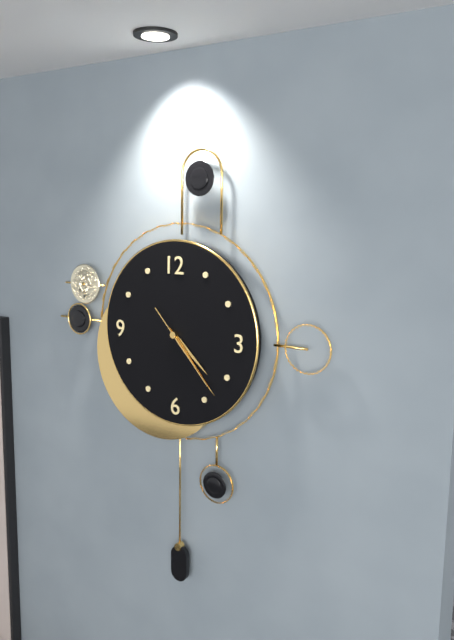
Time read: 4,23,23
